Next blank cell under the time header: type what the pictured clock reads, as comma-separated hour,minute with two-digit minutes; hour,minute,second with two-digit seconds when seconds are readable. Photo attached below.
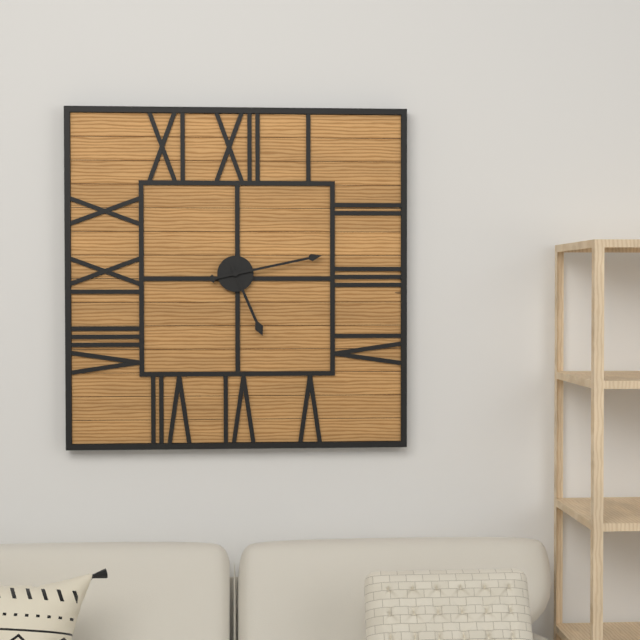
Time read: 5,13
